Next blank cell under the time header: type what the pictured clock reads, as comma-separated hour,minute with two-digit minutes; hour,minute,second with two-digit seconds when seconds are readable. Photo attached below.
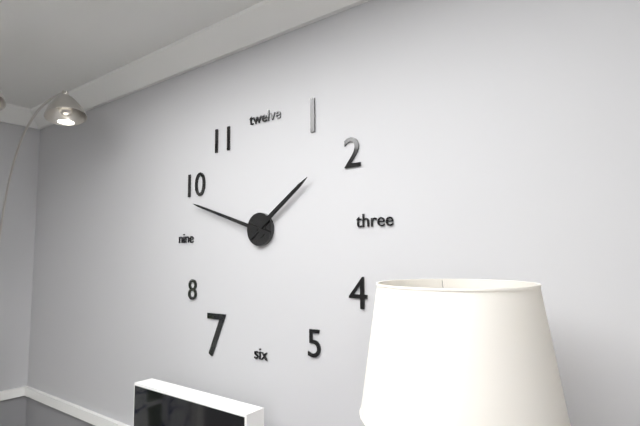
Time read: 1,48
